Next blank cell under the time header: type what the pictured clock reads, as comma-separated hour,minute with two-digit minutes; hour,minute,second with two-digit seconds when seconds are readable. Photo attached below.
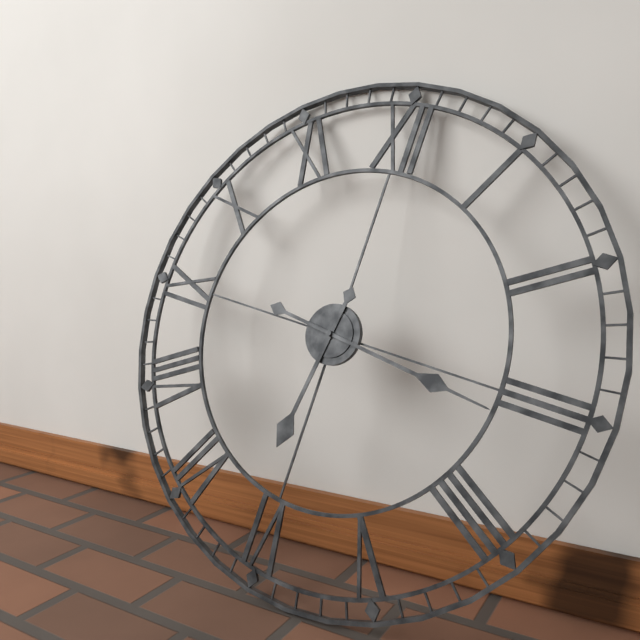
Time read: 6,16
